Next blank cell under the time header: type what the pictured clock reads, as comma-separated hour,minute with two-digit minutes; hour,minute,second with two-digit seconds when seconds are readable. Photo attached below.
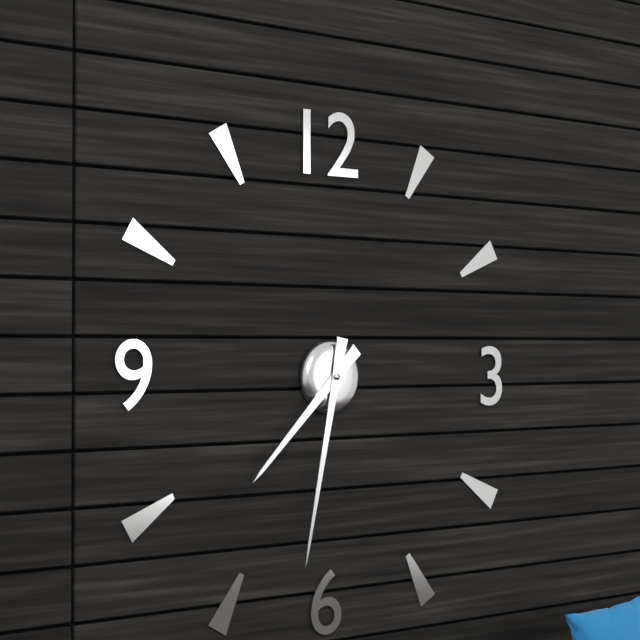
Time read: 7,32
